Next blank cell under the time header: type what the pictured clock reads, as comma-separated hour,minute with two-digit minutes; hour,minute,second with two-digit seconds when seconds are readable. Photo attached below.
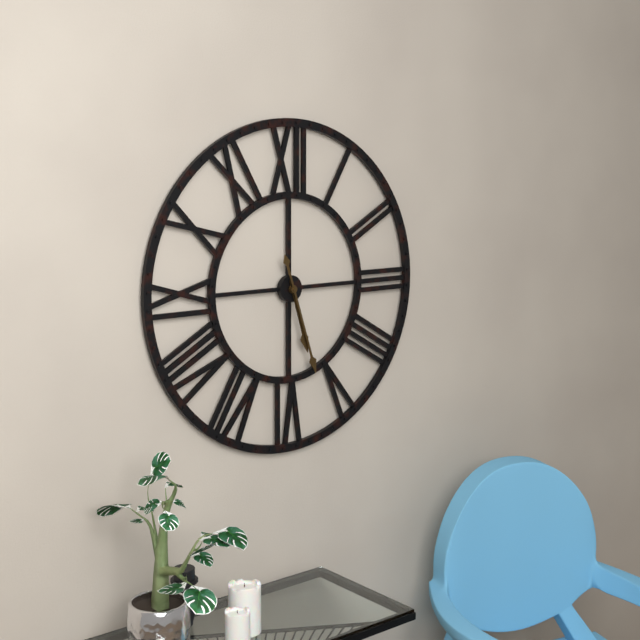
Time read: 5,27
